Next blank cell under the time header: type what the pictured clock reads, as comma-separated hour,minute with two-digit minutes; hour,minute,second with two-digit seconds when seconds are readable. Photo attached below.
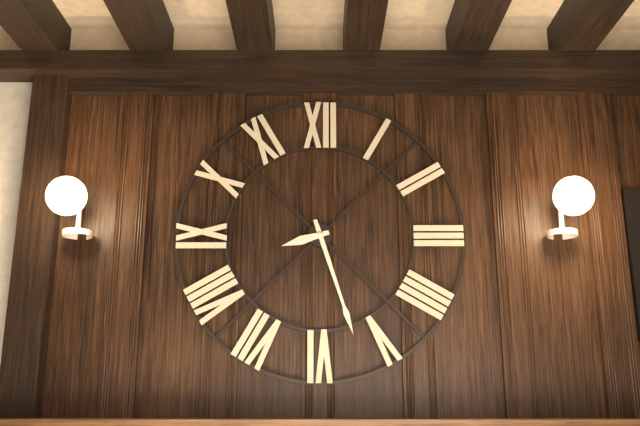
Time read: 8,27
